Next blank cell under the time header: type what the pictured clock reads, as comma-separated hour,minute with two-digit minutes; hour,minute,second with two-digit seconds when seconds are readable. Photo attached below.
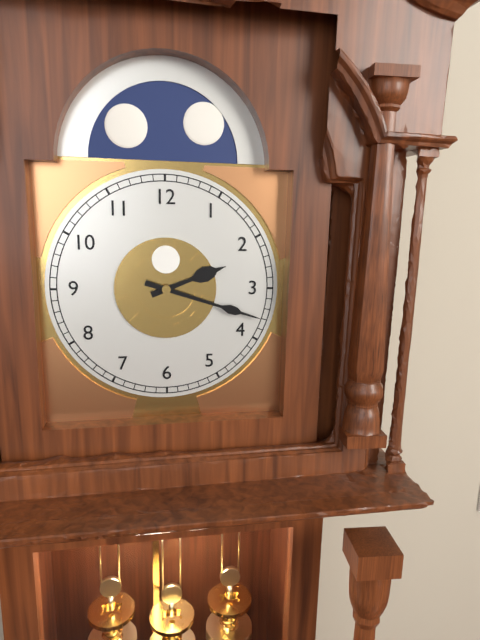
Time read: 2,18
